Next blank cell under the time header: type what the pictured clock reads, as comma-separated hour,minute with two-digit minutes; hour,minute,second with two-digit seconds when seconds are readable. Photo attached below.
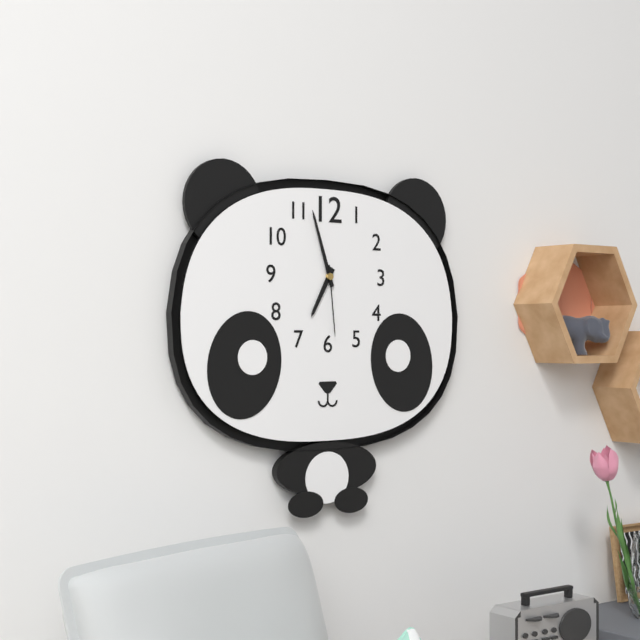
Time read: 6,57,29
